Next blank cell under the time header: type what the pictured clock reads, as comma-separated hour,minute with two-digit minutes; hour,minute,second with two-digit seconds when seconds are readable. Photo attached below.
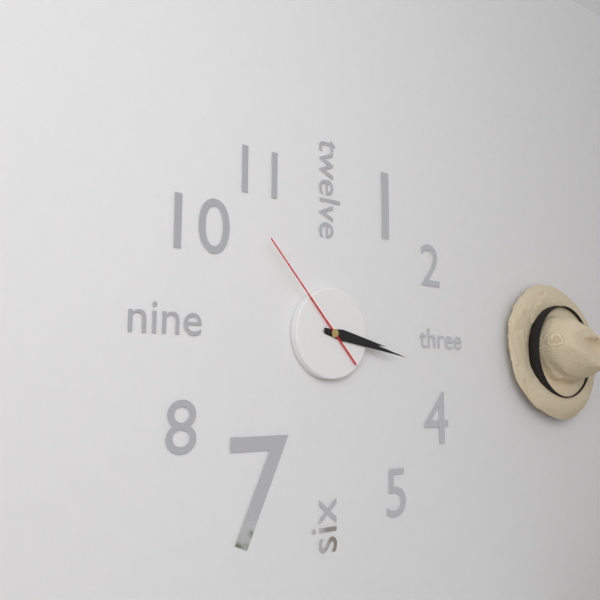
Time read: 3,17,53
